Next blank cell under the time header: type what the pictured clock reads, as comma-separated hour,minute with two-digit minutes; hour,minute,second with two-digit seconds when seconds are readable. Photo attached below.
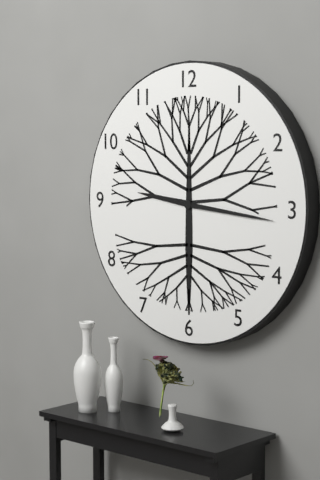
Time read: 9,16
